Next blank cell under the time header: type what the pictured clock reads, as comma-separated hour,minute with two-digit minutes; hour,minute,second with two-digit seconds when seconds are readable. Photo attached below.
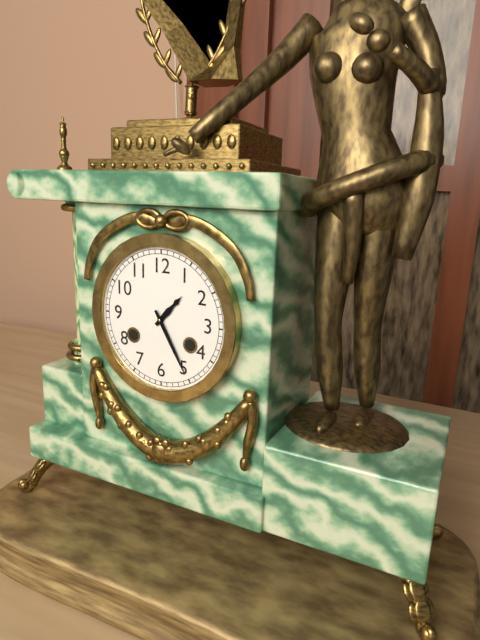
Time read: 1,25
